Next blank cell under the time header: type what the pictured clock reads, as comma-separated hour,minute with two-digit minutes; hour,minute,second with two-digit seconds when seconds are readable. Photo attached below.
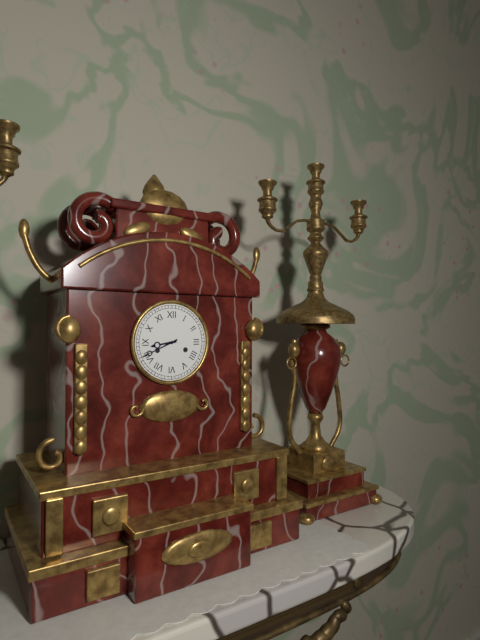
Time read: 8,41
